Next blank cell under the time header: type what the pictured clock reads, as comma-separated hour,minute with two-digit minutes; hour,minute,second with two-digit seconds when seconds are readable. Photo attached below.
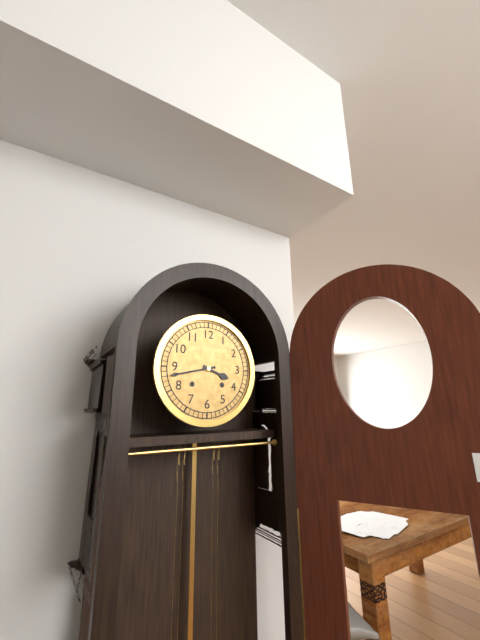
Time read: 3,43
